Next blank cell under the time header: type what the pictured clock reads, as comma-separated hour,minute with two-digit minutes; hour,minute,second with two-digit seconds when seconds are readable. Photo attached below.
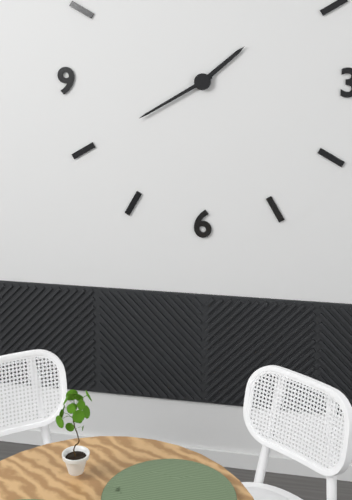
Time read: 1,40
